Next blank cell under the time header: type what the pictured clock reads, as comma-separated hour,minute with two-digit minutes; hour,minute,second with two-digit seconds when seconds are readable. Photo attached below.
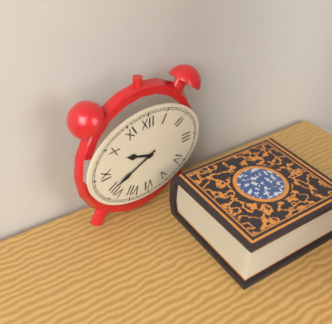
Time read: 9,41
